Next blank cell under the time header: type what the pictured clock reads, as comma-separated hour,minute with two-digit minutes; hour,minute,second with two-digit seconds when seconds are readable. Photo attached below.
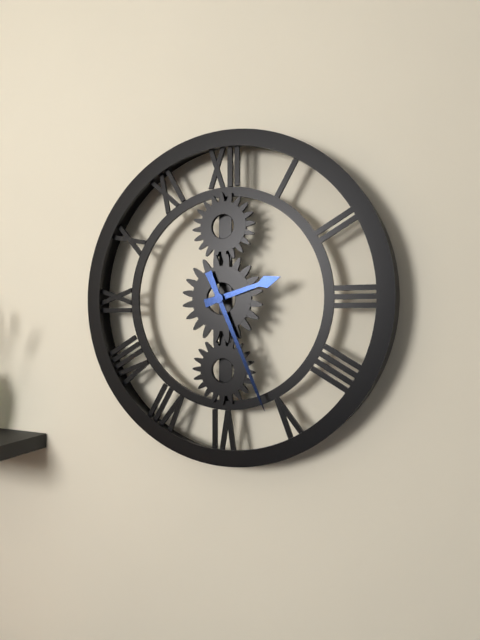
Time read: 2,26
